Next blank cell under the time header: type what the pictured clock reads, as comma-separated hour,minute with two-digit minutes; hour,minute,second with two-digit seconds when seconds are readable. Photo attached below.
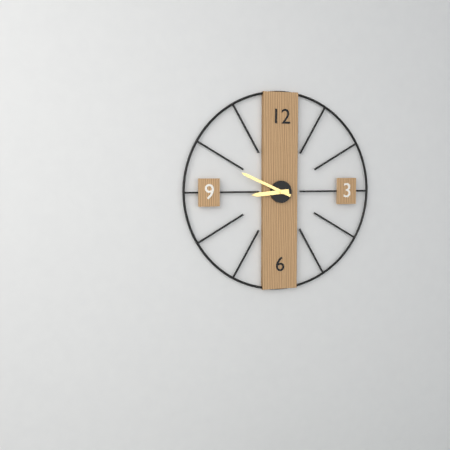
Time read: 8,49
